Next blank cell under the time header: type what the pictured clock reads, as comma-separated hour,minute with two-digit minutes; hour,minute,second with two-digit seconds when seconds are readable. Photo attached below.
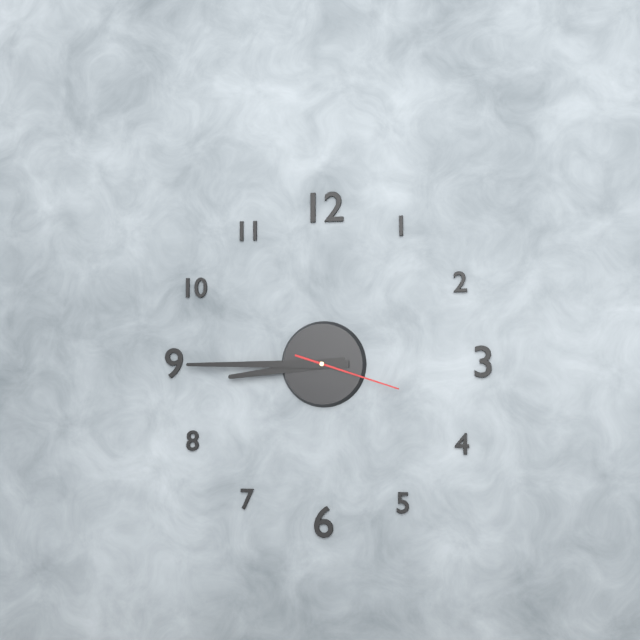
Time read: 8,45,18
